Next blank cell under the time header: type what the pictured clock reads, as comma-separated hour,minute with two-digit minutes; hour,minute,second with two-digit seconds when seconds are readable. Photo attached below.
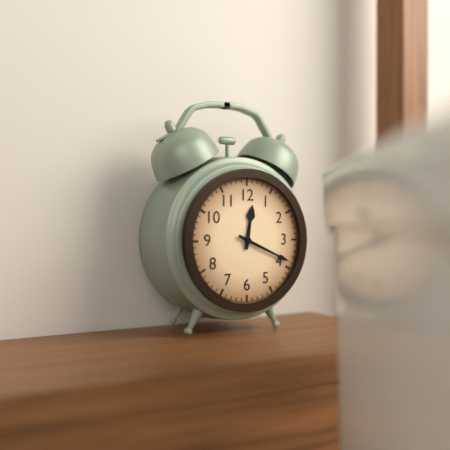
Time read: 12,19
